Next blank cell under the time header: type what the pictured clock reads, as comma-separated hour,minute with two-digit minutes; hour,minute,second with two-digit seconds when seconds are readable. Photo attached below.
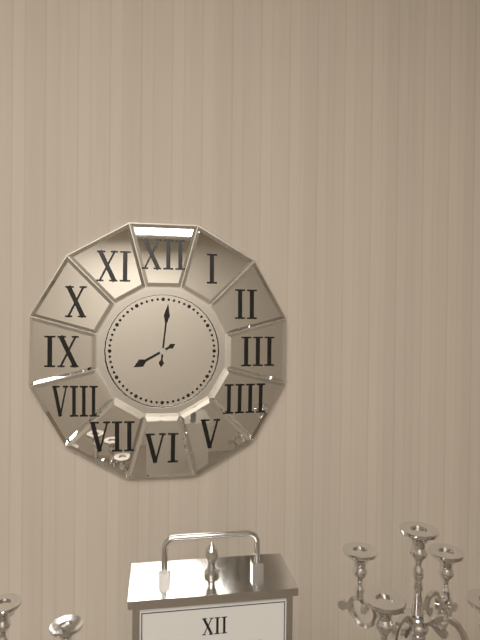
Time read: 8,01
